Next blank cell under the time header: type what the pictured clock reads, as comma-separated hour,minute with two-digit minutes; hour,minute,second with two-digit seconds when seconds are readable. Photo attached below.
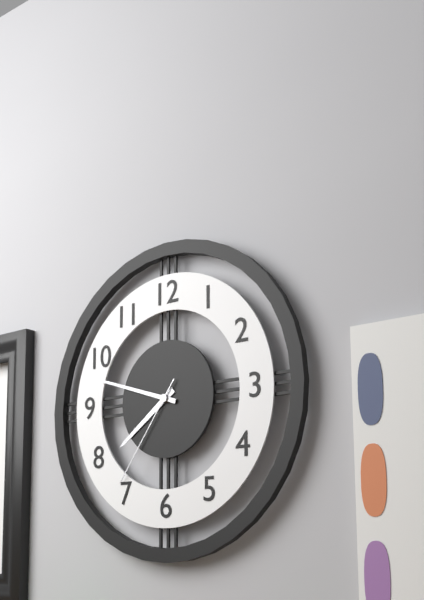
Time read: 7,48,36
